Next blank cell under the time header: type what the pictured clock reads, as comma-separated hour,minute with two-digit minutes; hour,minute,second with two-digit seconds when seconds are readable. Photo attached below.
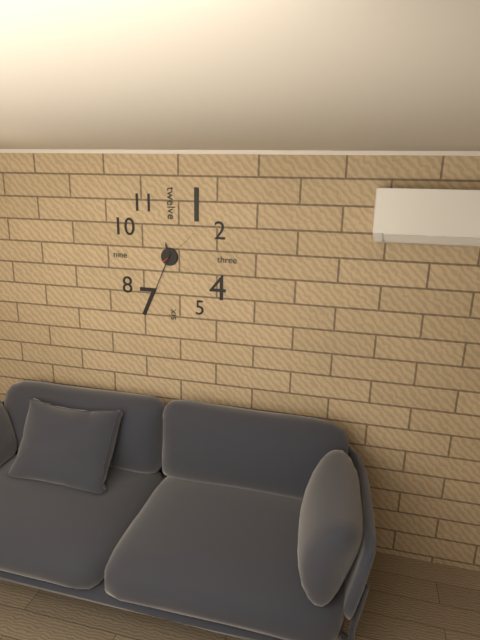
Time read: 11,34
